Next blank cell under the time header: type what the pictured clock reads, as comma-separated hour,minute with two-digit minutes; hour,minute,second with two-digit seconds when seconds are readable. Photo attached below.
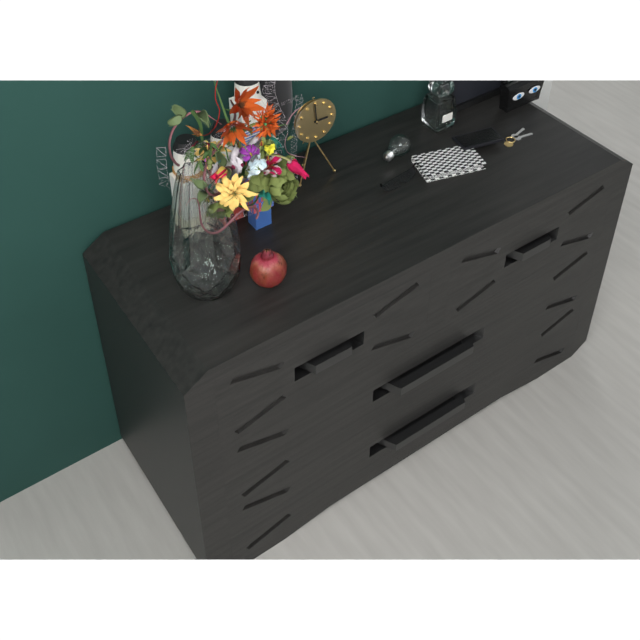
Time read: 2,59
